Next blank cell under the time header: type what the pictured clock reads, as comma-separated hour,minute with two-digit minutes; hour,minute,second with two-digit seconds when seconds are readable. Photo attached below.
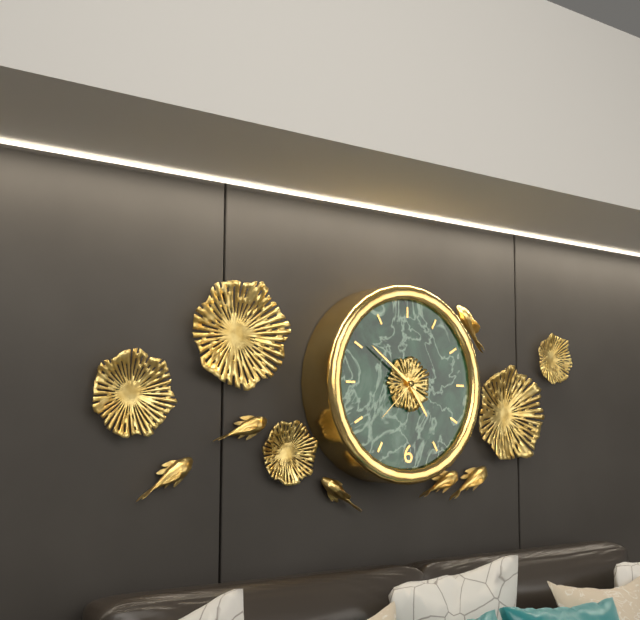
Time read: 4,51,38
